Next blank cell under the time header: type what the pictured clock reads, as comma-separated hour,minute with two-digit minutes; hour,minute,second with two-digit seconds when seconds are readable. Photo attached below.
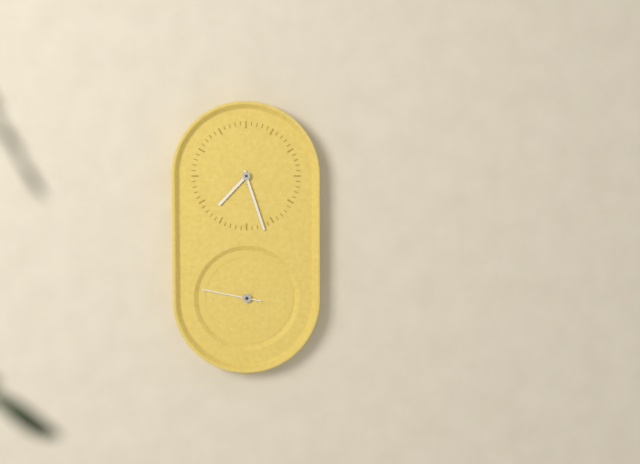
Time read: 7,27,47
